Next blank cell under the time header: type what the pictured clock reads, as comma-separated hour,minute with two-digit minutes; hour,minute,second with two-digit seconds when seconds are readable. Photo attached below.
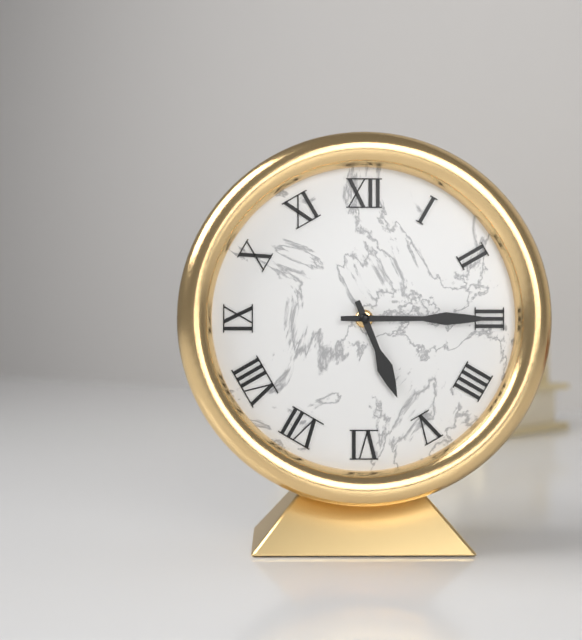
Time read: 5,15
